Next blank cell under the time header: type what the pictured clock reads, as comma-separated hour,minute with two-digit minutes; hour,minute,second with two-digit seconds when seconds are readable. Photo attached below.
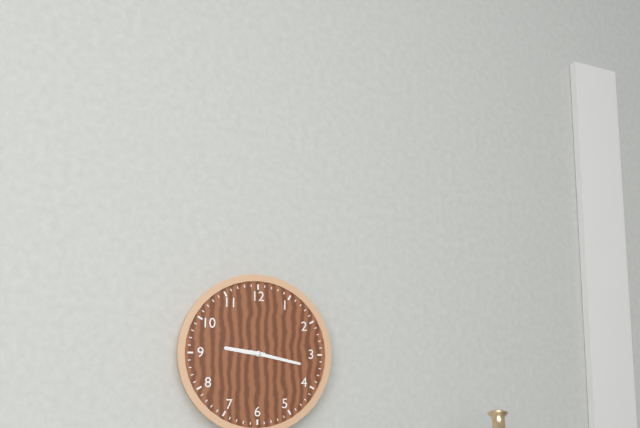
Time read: 9,17
